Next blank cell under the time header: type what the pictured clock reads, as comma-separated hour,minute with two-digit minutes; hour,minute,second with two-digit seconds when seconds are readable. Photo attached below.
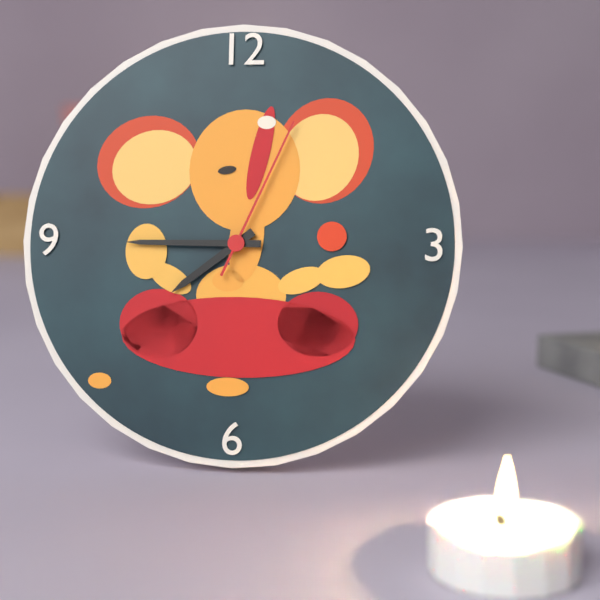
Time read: 7,45,04
